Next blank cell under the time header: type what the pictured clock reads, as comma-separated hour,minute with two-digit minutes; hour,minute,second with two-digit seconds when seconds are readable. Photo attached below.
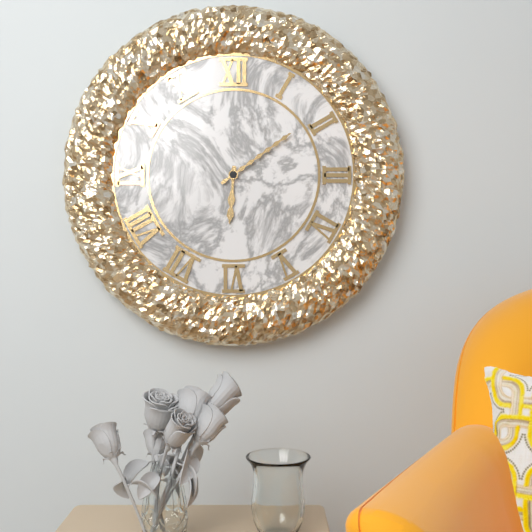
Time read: 6,09
